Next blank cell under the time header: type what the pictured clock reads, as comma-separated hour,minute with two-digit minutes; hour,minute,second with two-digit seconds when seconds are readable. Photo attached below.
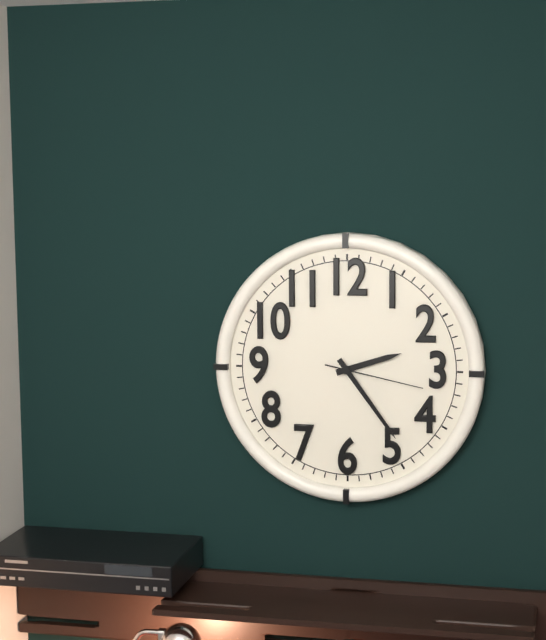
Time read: 2,24,17
